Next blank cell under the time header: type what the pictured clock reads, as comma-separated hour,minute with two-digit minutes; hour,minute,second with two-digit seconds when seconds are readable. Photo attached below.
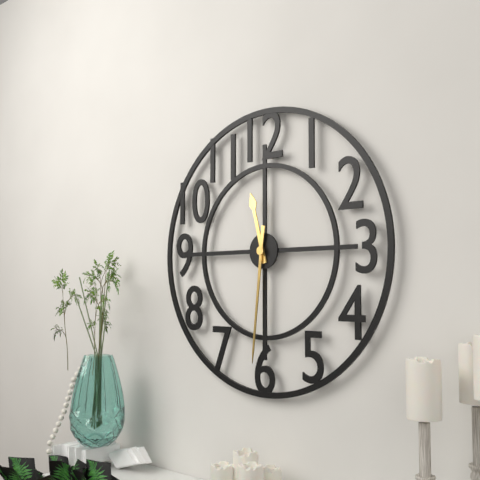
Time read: 11,31
